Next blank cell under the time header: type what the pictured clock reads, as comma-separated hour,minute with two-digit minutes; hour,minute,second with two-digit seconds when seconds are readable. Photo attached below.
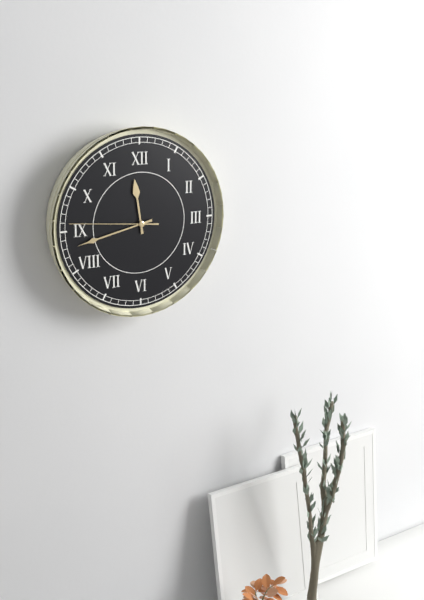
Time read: 11,43,46
